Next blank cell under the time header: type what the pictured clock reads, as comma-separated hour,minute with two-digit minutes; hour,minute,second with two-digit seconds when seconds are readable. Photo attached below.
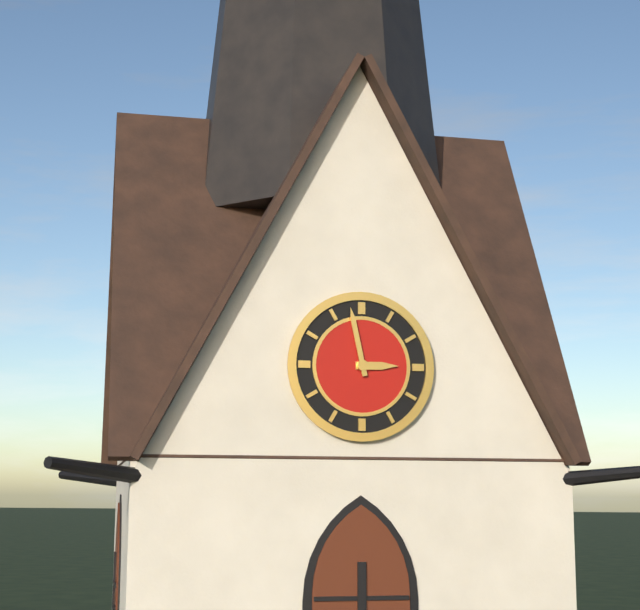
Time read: 2,58
